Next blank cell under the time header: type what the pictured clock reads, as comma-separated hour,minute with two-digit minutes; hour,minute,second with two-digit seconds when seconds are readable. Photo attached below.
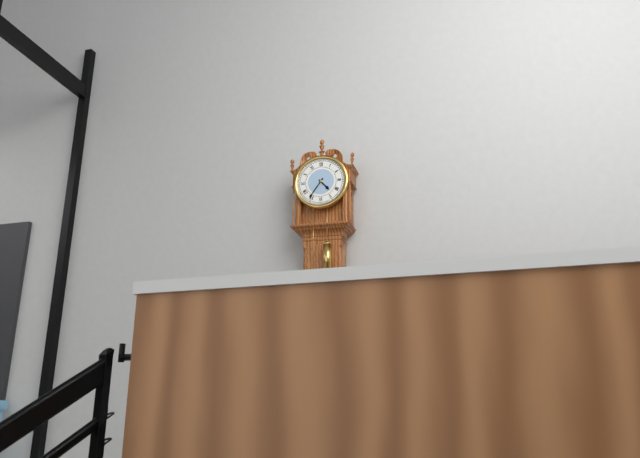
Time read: 4,36
